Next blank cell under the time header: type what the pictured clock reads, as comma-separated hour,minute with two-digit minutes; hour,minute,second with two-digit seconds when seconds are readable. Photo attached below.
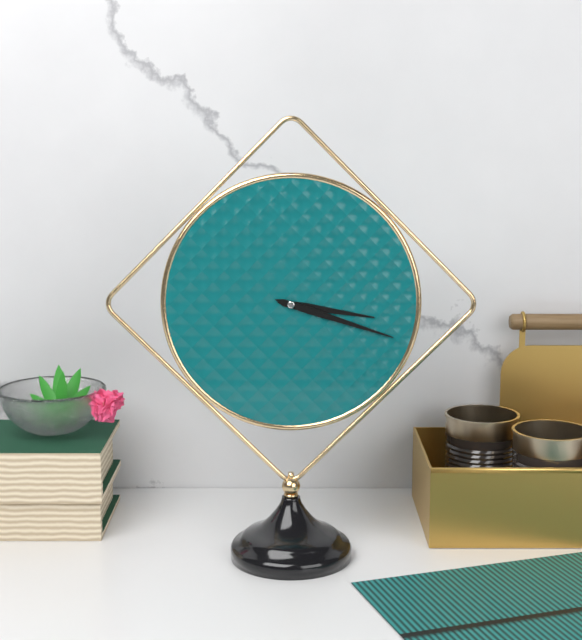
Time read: 3,18
